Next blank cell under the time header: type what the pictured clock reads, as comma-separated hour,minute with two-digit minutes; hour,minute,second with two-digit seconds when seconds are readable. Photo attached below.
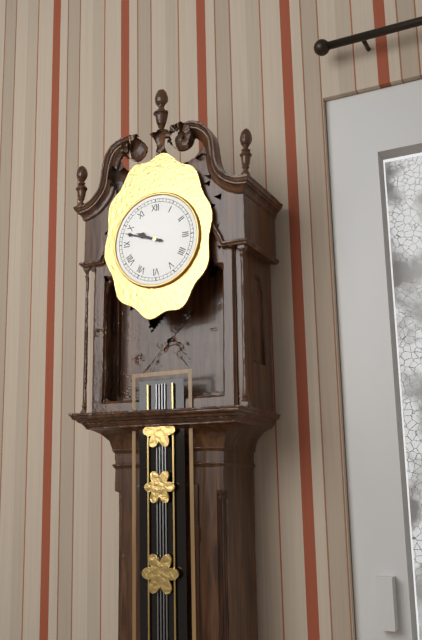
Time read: 9,48
